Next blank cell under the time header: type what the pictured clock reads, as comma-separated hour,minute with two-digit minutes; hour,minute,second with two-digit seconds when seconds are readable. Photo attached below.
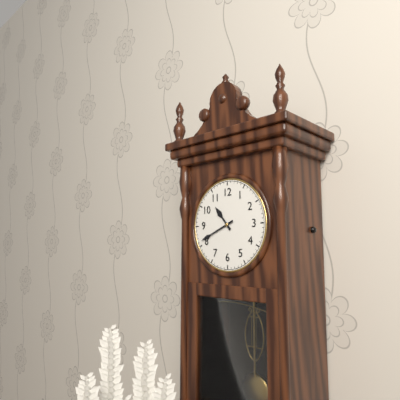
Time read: 10,41
